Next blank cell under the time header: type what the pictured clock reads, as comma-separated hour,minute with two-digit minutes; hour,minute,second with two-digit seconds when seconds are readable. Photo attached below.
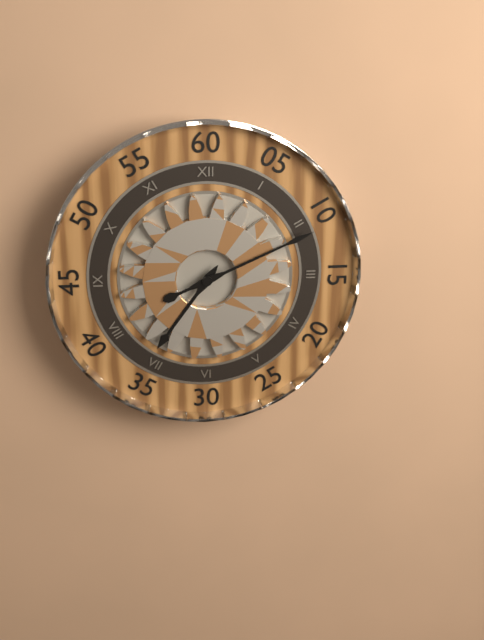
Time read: 7,11
